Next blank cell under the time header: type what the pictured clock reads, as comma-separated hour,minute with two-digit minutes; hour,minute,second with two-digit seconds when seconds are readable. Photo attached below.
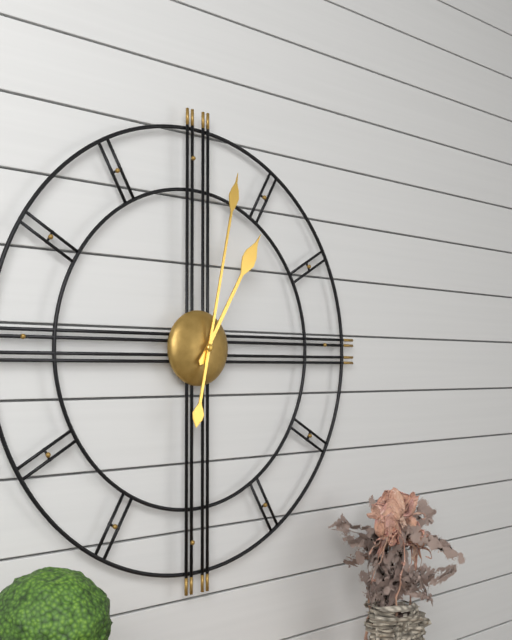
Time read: 1,02
